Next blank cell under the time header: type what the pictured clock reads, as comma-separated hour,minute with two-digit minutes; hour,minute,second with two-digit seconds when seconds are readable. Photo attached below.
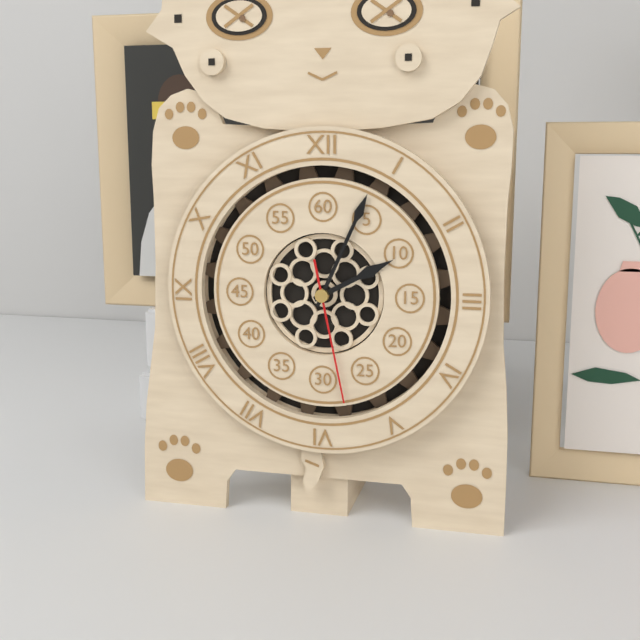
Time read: 2,04,28
